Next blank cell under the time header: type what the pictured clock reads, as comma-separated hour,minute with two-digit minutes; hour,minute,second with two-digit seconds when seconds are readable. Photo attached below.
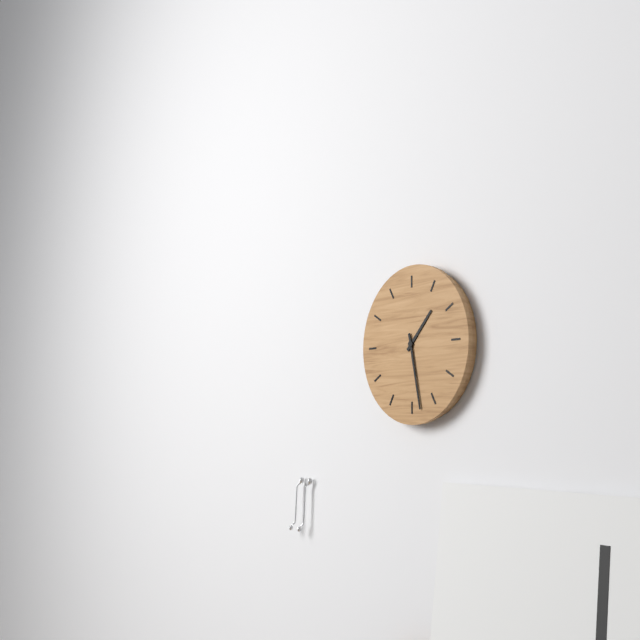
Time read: 1,28
